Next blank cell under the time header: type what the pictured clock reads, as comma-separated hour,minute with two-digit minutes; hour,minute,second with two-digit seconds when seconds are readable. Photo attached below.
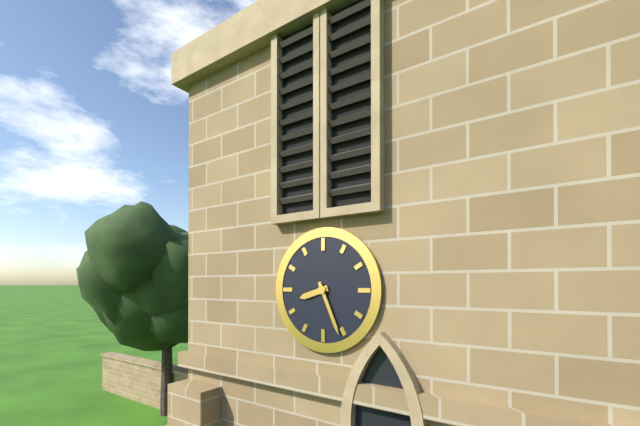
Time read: 8,26
